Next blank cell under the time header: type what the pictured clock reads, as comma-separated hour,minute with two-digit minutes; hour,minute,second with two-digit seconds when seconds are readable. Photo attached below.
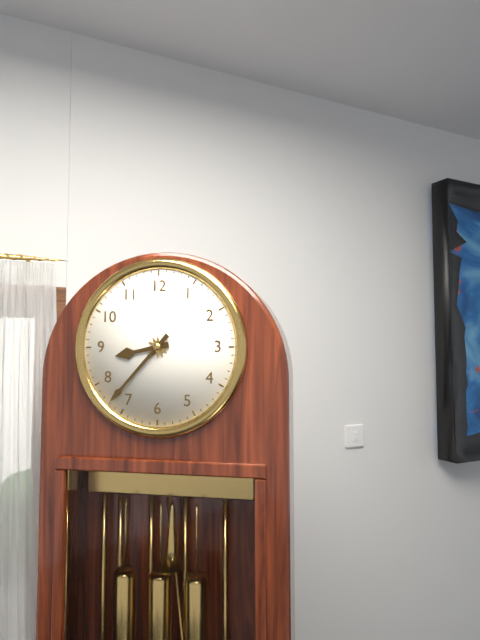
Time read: 8,37
